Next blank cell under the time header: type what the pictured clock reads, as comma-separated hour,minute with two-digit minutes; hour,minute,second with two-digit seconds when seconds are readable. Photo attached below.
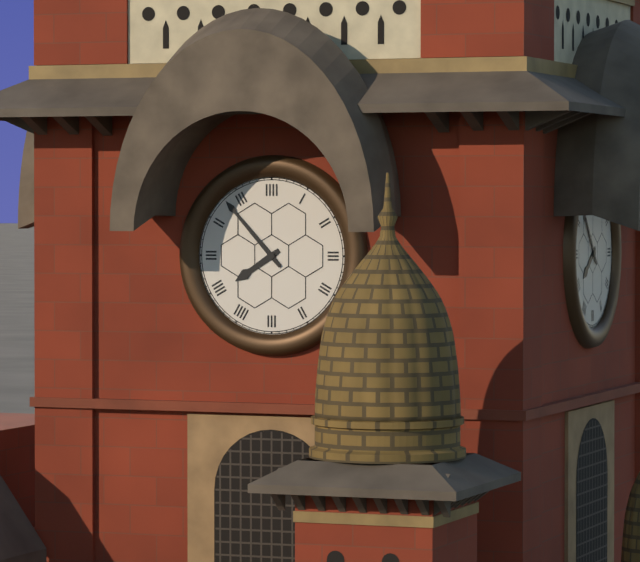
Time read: 7,53
